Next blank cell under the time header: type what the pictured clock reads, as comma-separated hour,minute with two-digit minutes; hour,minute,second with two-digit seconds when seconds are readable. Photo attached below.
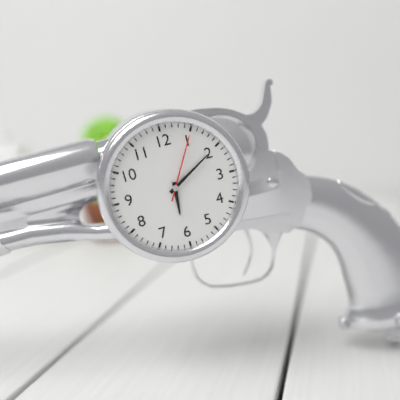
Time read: 6,10,05
